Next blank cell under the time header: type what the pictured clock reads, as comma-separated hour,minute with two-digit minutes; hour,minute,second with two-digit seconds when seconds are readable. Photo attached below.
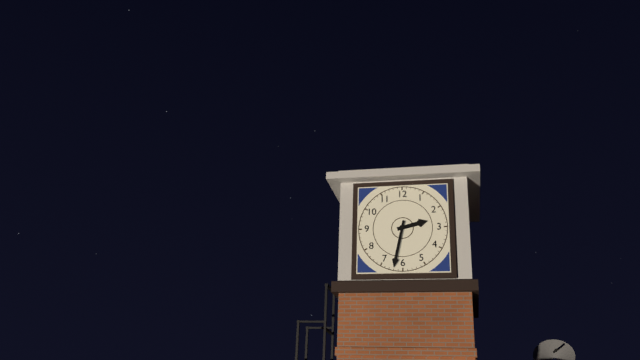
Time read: 2,32
